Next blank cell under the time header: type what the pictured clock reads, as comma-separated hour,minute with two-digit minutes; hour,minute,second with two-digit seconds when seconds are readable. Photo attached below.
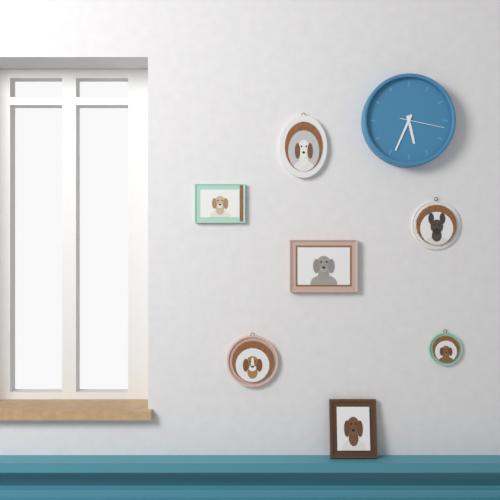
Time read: 5,34
